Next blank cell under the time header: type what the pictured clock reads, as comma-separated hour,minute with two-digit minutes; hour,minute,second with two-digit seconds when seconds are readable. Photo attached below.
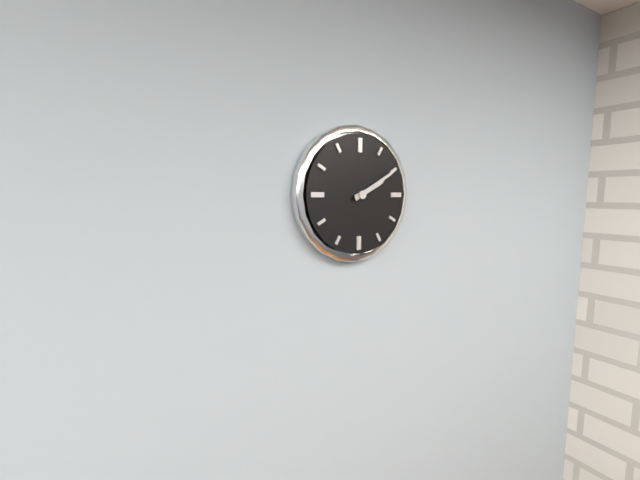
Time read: 2,10
